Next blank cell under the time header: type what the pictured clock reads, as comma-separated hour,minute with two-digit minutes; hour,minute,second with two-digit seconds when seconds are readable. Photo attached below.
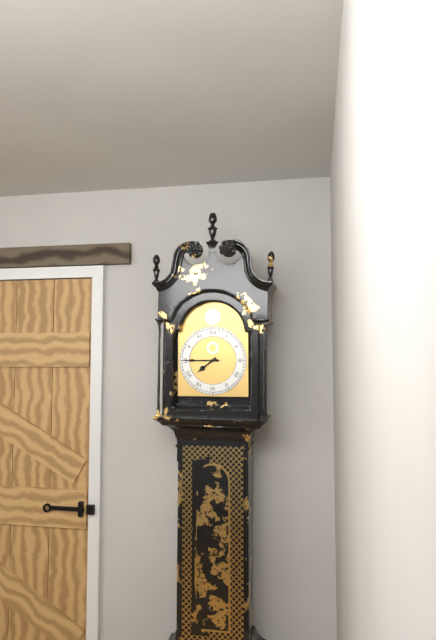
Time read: 7,45
